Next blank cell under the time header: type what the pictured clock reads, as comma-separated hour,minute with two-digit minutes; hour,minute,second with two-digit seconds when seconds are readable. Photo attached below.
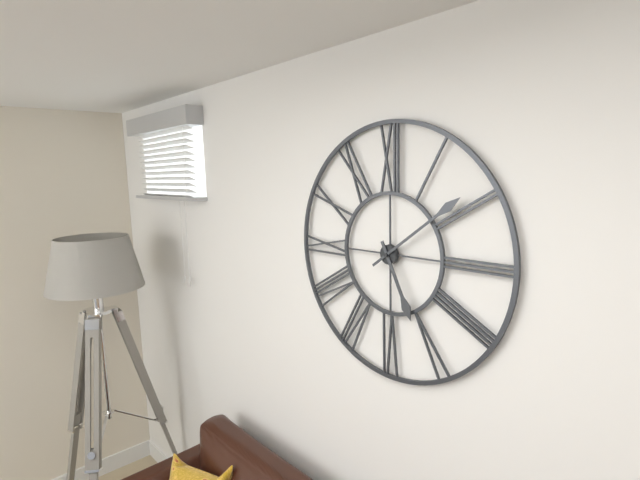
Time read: 5,09
